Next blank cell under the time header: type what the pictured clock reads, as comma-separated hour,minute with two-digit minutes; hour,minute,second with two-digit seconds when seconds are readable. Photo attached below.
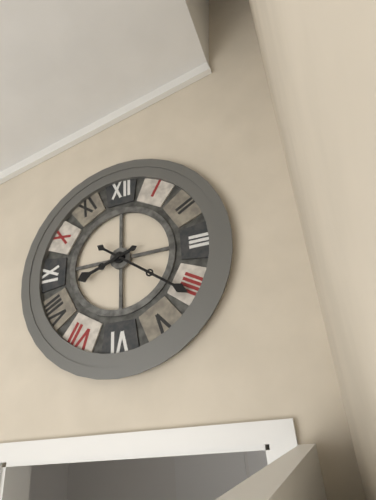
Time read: 8,21
